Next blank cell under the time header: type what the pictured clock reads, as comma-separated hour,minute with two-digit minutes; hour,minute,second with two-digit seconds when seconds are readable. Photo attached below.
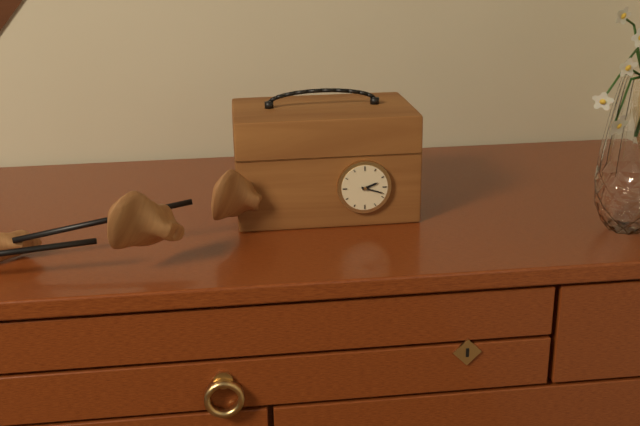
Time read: 2,18
